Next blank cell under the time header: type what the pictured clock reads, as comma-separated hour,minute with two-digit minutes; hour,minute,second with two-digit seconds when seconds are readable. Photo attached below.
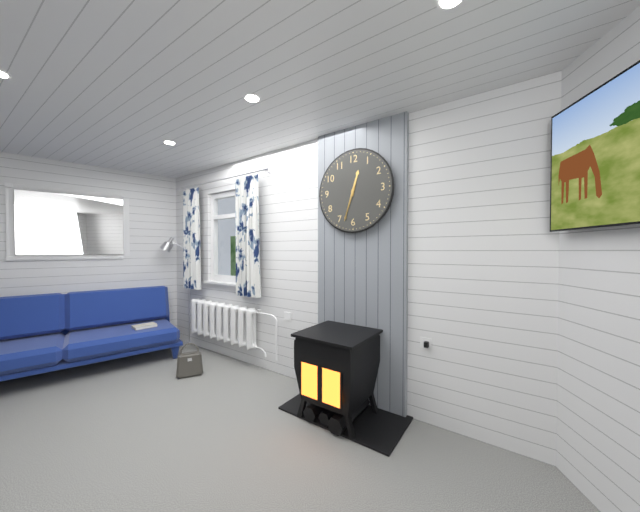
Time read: 12,33
